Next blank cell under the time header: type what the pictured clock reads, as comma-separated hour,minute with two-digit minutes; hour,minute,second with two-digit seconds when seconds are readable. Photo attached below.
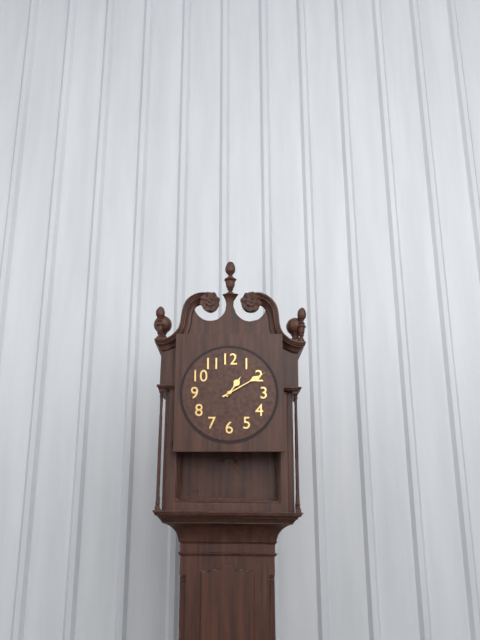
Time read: 1,10
